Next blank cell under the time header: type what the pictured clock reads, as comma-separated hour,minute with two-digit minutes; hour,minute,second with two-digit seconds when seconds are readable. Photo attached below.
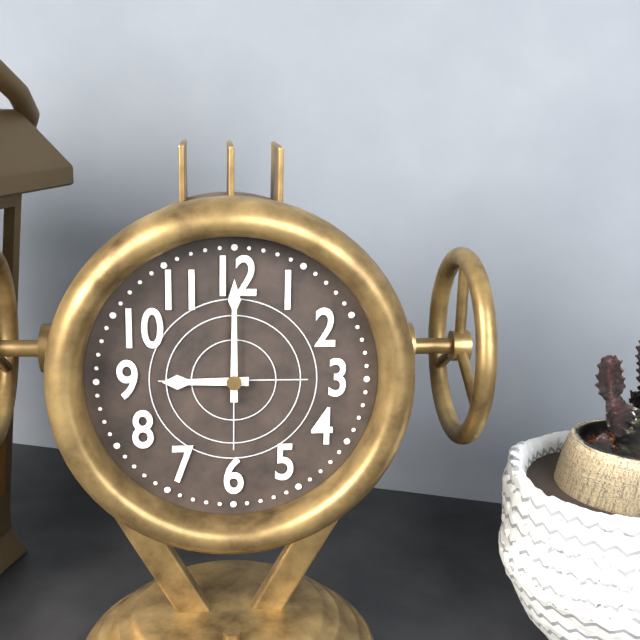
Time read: 9,00
